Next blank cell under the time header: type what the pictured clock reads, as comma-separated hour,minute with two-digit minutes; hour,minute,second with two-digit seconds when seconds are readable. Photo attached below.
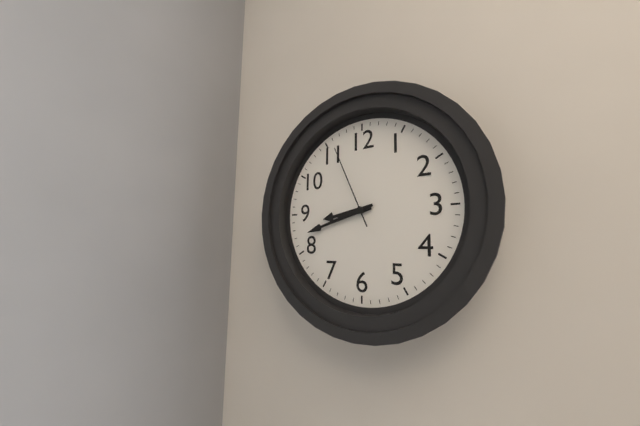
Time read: 8,42,56
